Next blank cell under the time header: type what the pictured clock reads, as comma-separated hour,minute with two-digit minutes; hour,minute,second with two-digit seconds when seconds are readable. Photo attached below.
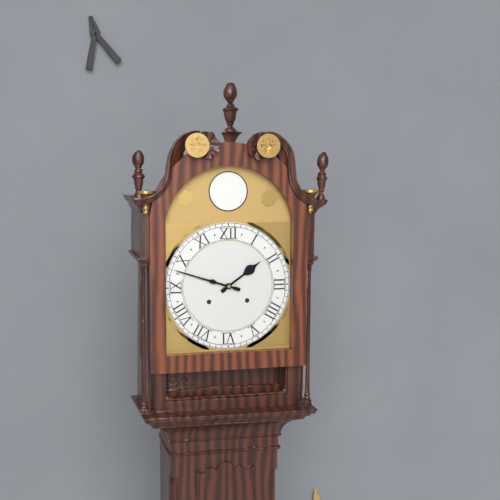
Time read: 1,48
